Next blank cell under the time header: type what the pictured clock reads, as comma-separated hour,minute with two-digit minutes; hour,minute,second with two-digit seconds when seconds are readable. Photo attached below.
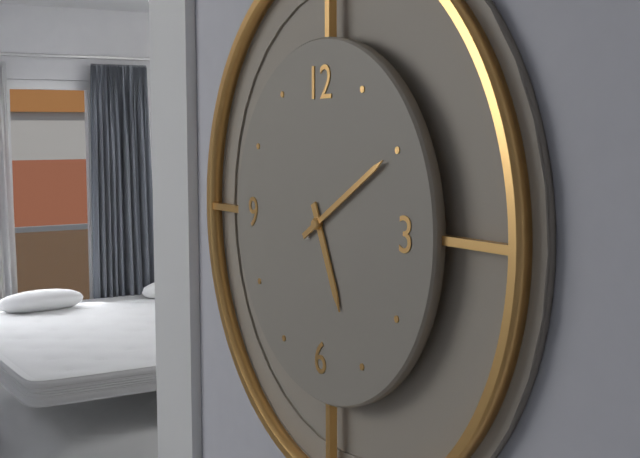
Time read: 5,10
